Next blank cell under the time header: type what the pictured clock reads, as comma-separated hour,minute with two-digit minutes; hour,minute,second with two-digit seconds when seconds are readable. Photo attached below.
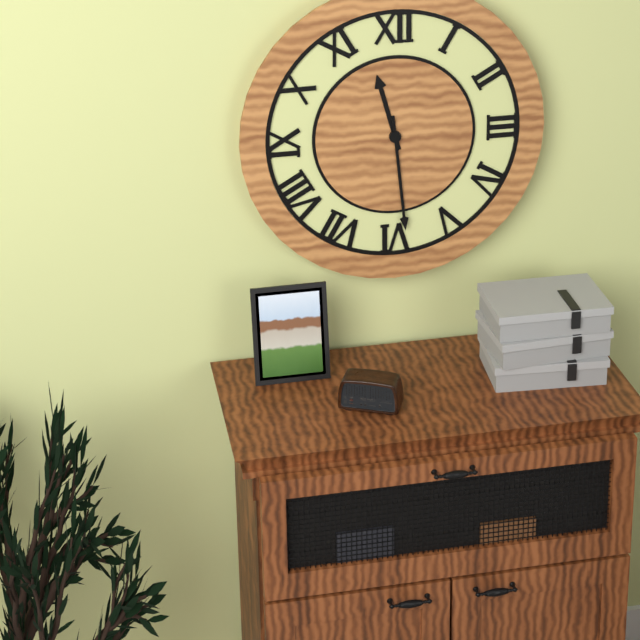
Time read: 11,29
